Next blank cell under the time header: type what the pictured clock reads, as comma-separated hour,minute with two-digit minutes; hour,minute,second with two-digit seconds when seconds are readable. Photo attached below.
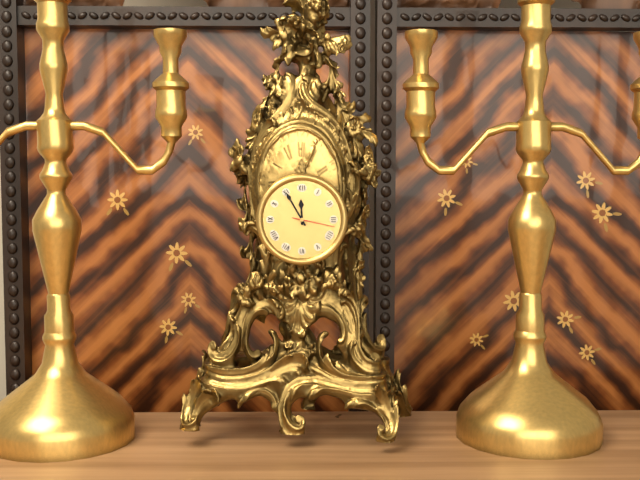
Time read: 11,55
